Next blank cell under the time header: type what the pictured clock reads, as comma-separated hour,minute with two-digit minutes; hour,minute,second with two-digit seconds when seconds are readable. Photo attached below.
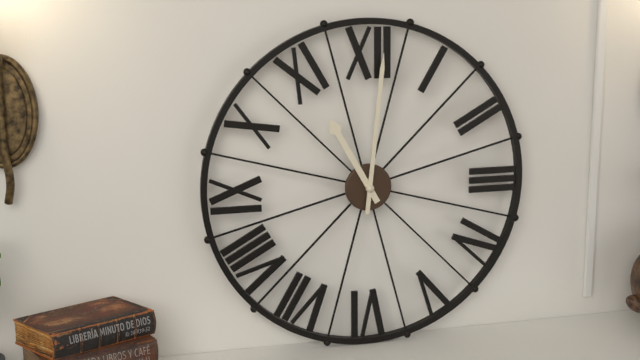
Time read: 11,01
